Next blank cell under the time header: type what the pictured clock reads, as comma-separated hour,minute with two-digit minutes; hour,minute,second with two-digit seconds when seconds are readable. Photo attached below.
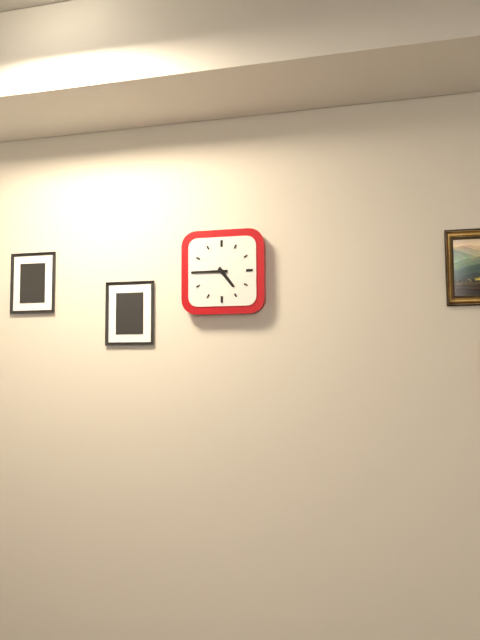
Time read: 4,45
